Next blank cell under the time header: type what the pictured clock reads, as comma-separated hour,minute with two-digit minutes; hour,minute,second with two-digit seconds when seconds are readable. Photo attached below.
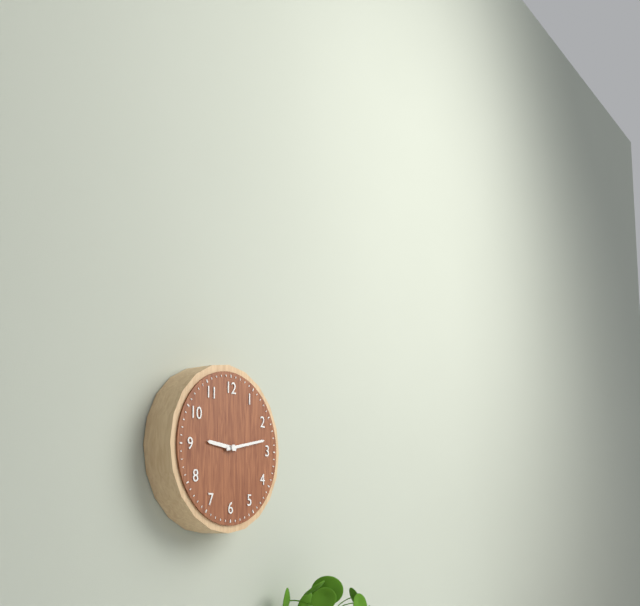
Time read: 9,13
